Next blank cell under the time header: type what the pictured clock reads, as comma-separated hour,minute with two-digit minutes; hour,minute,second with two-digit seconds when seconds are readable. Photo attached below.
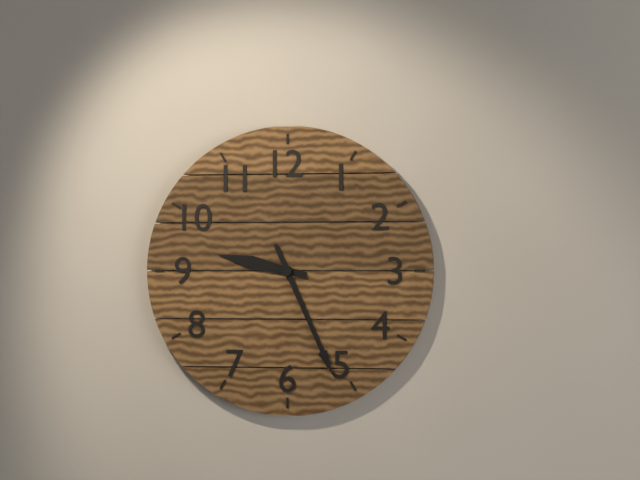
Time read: 9,26
